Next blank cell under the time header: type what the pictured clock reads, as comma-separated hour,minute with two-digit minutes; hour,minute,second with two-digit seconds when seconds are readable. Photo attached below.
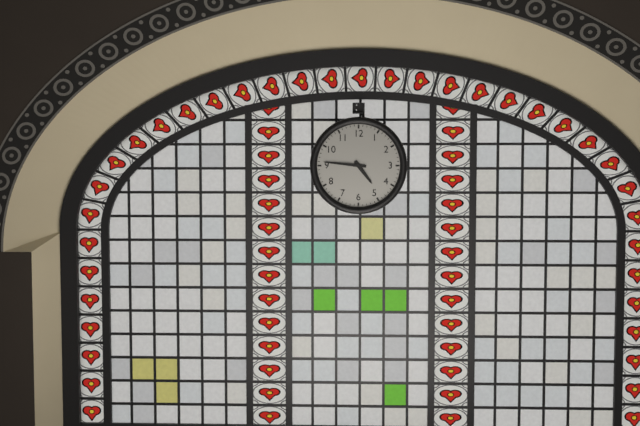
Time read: 4,46
